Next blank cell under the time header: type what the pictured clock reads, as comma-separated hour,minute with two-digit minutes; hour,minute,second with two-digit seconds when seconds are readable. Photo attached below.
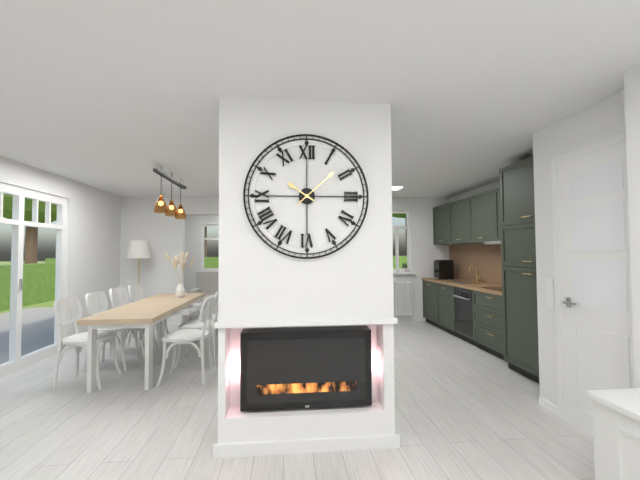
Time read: 10,08
